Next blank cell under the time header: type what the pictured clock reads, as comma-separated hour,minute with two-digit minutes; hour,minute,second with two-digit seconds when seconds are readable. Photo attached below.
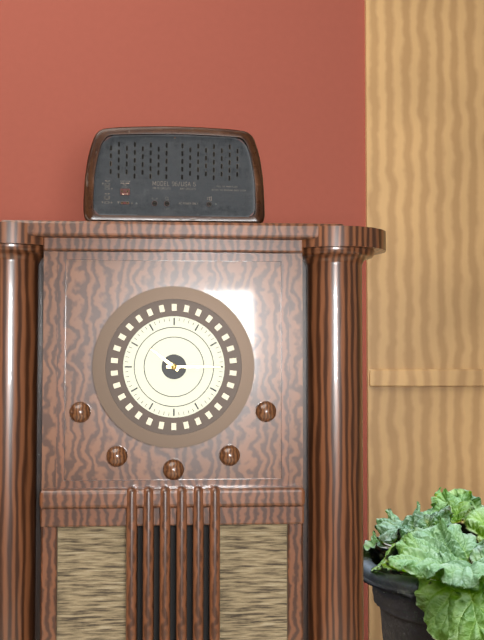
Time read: 10,15
